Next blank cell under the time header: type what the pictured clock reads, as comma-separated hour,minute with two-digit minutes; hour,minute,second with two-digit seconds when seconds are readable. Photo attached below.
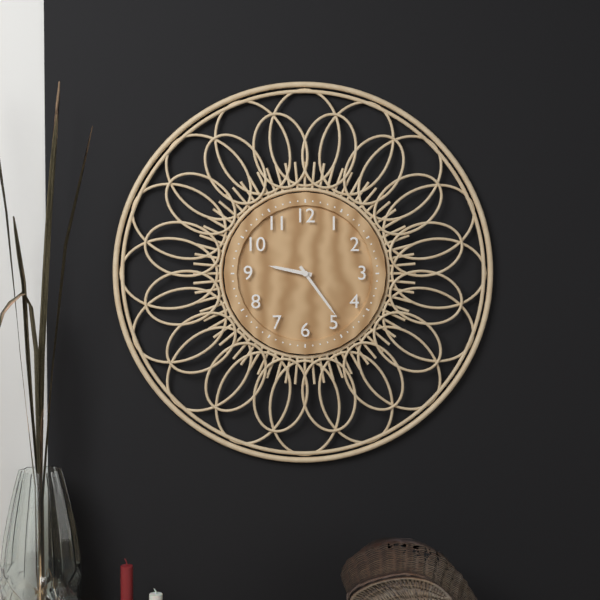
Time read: 9,24
